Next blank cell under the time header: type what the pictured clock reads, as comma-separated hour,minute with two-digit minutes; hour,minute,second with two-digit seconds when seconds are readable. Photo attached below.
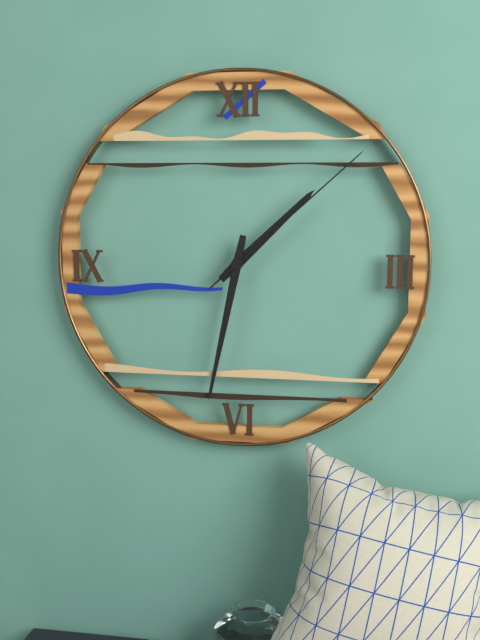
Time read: 1,32,08
